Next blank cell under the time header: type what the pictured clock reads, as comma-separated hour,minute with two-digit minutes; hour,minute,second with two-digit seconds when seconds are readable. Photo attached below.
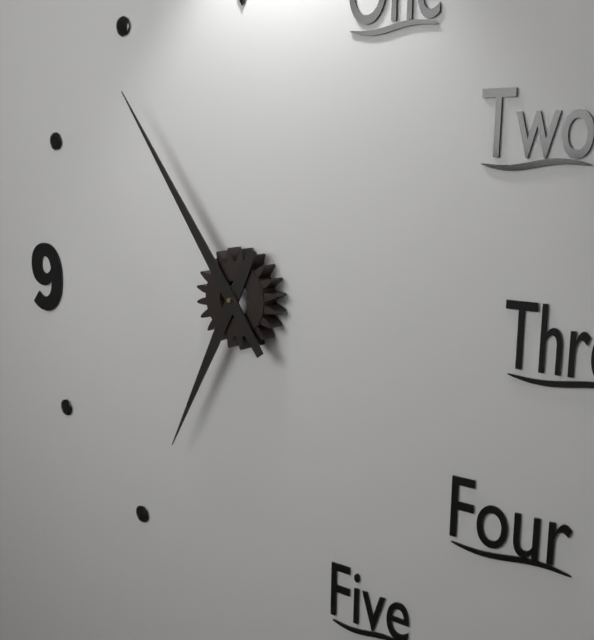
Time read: 6,54
